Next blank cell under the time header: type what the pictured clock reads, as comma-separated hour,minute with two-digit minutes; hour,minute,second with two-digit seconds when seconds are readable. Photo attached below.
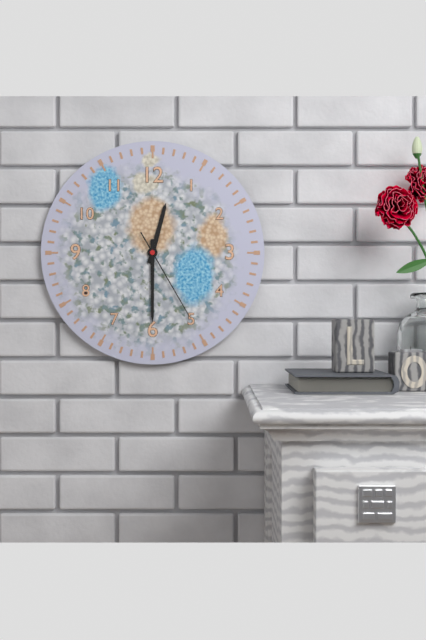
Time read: 12,30,25
